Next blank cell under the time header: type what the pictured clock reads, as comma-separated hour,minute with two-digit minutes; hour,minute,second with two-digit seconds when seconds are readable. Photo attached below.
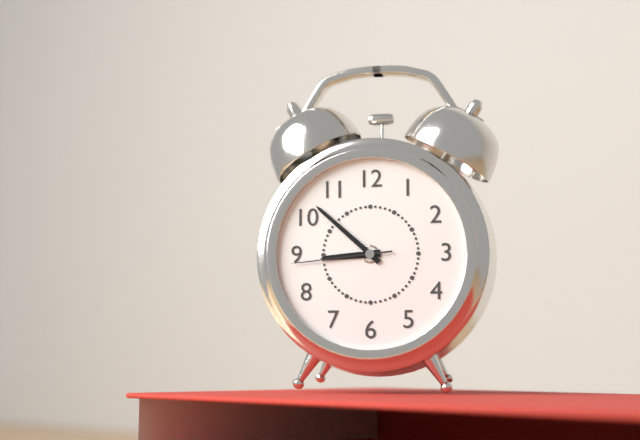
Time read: 8,52,44
